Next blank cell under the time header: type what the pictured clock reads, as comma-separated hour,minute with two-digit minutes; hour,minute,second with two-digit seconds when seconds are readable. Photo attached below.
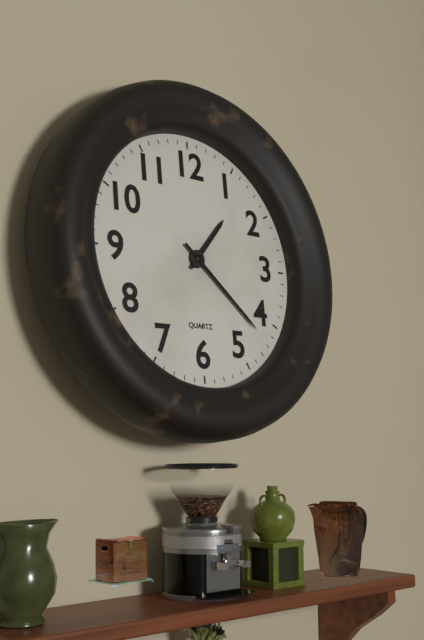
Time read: 1,22
